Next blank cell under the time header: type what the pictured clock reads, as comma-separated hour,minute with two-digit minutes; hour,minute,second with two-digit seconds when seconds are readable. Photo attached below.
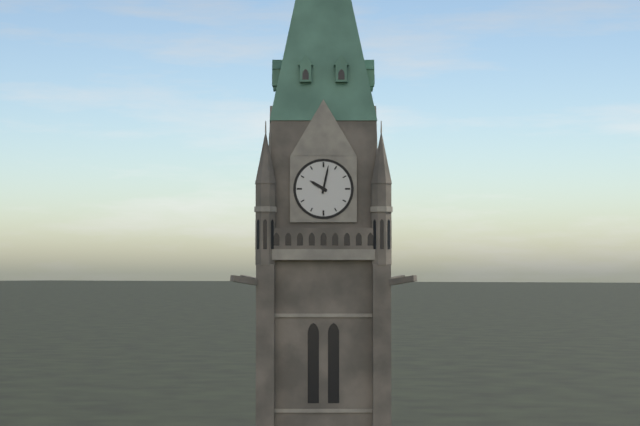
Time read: 10,02
